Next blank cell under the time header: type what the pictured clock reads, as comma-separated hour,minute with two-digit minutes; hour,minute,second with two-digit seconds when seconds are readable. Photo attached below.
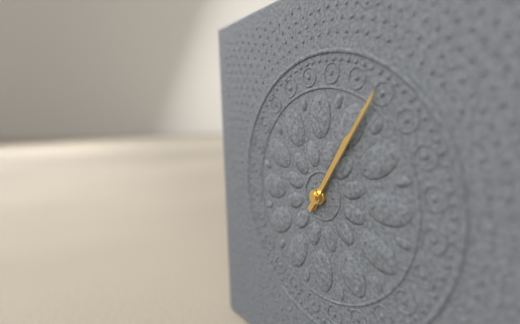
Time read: 1,06
